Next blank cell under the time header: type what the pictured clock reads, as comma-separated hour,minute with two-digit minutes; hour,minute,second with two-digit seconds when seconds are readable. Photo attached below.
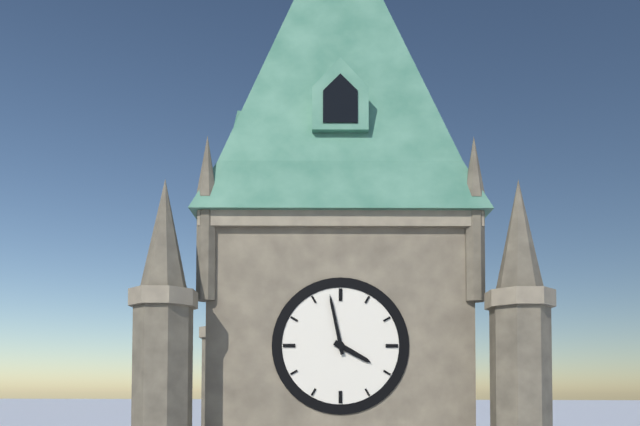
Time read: 3,58
